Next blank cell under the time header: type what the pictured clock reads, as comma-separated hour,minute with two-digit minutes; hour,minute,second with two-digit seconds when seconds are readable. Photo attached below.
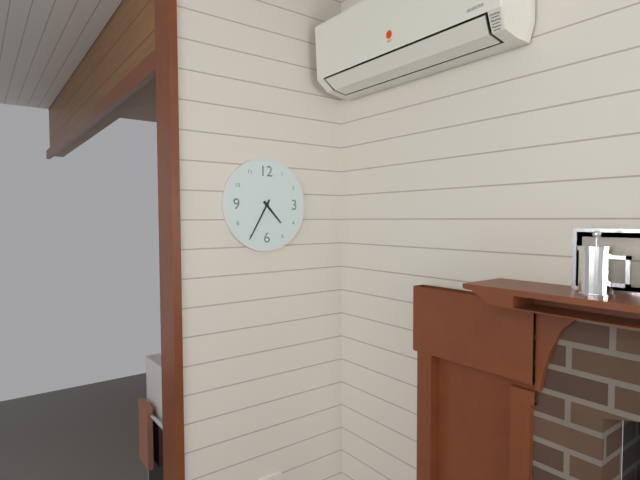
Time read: 4,35
